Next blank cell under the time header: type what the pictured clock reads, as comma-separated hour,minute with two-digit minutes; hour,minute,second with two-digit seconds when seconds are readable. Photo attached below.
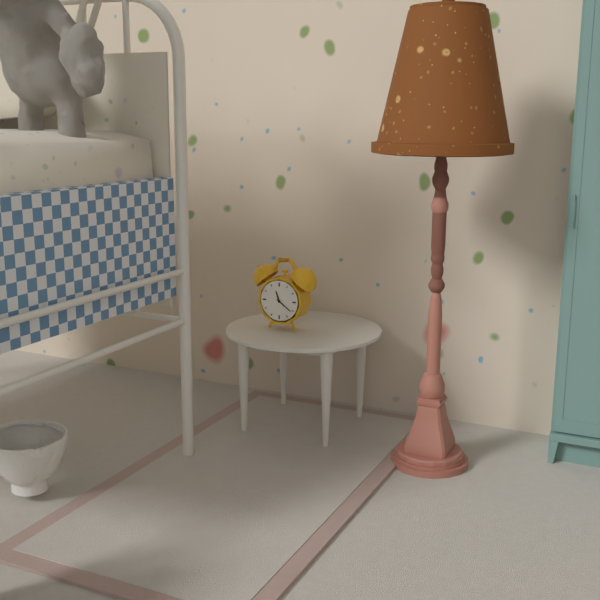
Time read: 11,21
